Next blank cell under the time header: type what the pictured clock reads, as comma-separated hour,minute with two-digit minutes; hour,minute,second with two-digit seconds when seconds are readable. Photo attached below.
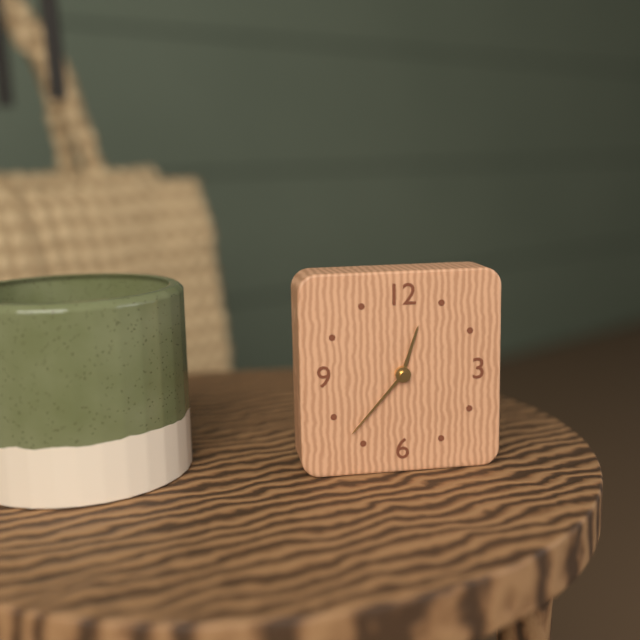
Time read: 12,37
